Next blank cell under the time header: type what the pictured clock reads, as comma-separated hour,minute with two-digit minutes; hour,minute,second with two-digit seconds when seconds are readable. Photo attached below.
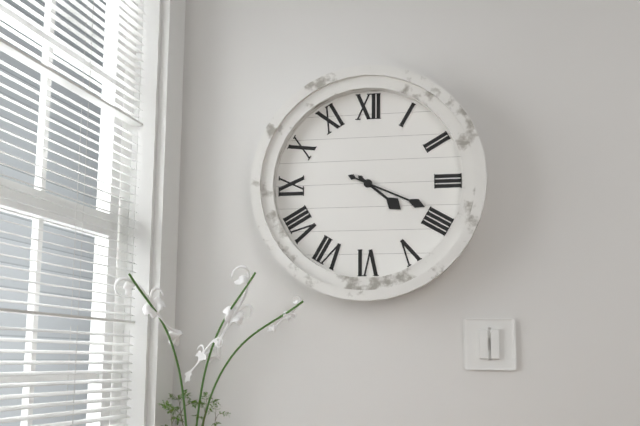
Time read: 4,19
